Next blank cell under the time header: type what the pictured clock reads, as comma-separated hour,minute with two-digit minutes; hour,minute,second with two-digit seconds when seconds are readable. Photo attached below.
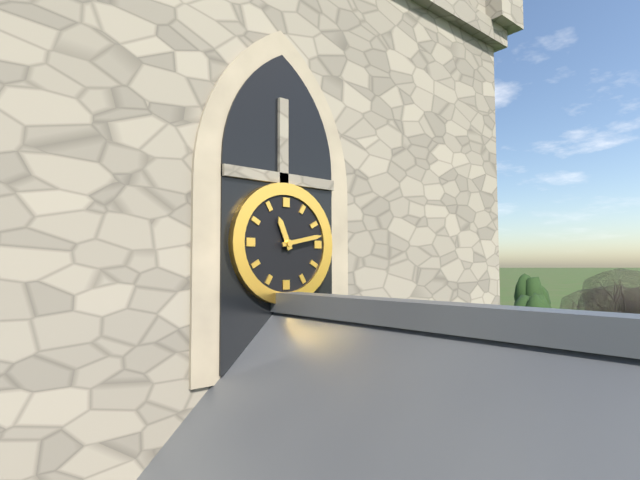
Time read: 11,13
